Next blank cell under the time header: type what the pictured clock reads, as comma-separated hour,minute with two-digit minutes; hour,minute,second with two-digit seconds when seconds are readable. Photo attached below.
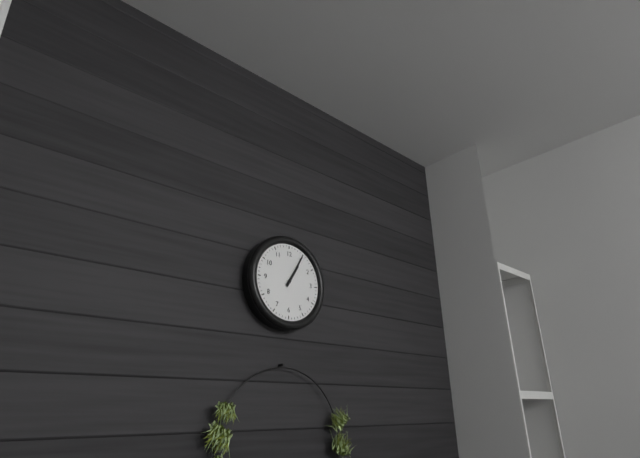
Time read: 1,05
